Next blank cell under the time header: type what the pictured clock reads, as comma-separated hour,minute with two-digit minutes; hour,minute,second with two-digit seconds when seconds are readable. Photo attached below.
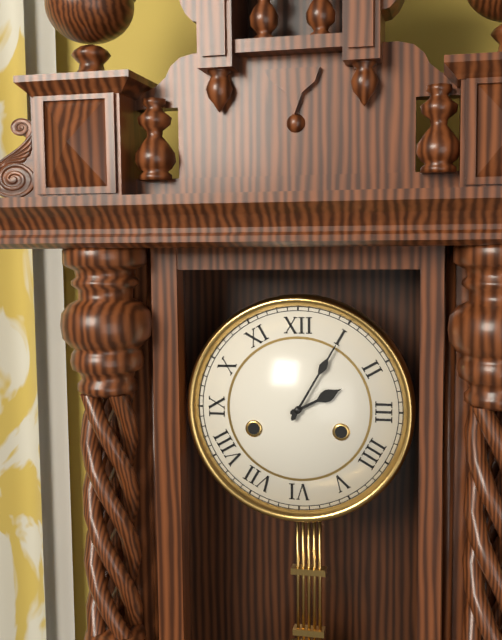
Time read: 2,05
